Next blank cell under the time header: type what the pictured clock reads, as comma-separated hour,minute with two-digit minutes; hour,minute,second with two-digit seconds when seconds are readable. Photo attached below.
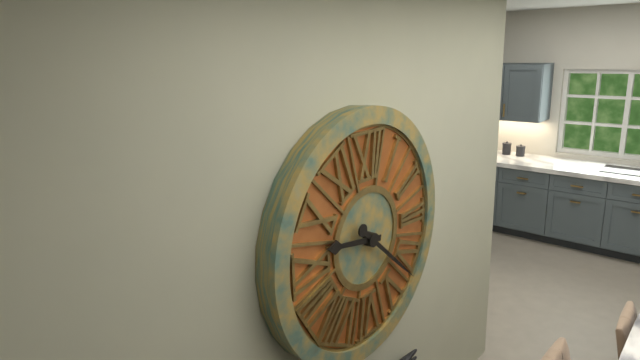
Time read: 9,22
